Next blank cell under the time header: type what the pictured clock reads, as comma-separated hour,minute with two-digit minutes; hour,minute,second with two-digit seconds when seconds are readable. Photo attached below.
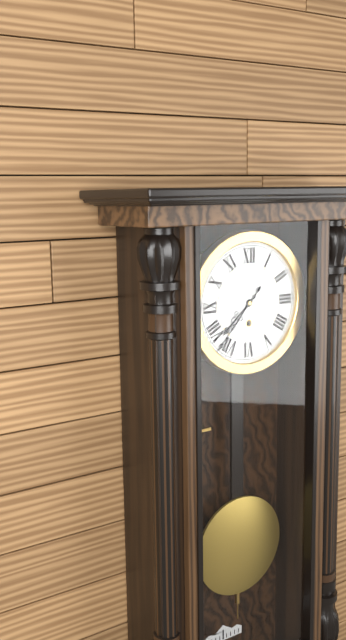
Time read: 7,37
